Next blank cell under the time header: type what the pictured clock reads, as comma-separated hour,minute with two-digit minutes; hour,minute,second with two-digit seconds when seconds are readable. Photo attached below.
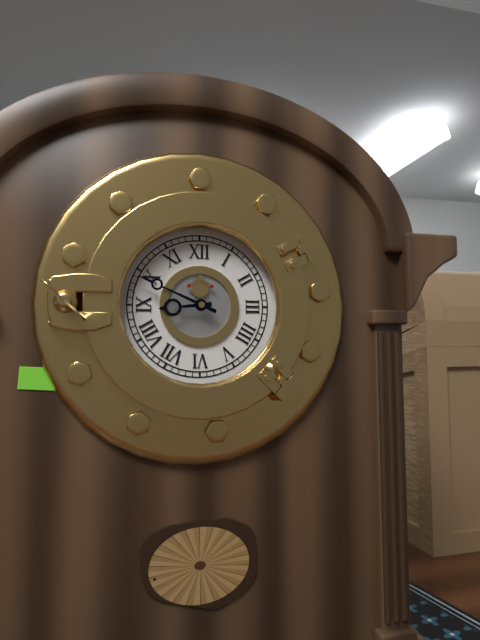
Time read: 8,49
